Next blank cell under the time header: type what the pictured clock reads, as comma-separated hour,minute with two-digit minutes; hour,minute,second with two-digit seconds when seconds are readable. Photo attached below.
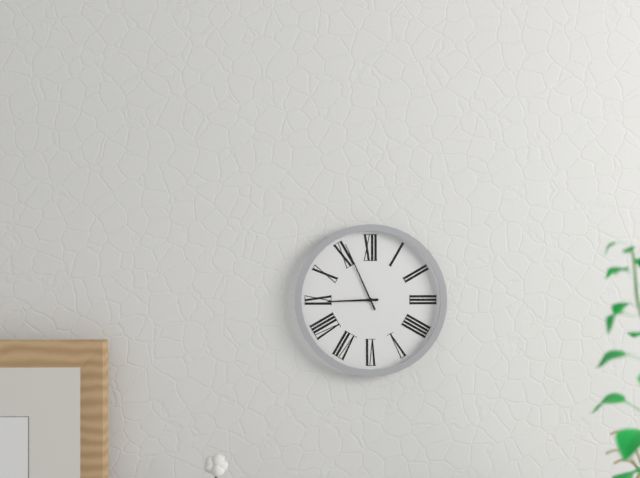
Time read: 8,56
